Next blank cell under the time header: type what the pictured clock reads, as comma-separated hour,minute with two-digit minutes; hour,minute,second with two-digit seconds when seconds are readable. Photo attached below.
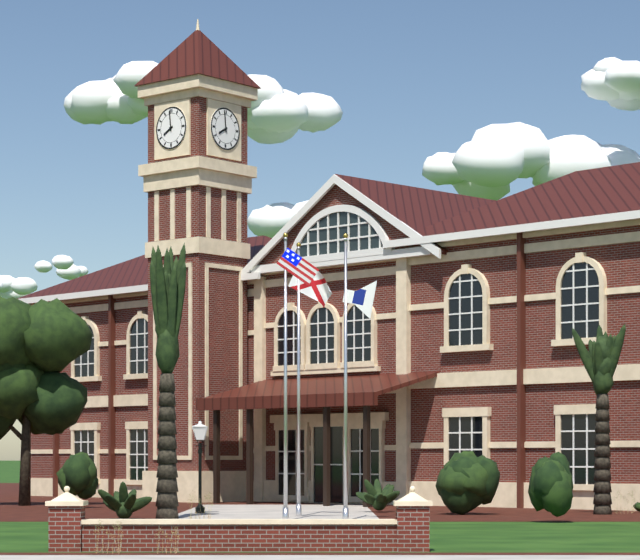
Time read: 7,59
